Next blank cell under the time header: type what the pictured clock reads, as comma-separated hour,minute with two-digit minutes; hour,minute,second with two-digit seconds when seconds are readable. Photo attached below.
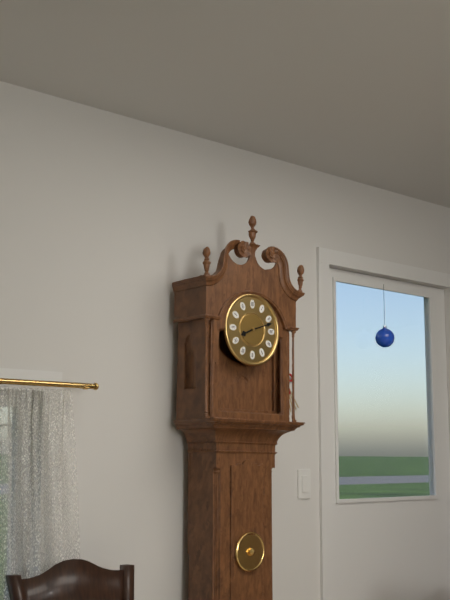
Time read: 8,12
